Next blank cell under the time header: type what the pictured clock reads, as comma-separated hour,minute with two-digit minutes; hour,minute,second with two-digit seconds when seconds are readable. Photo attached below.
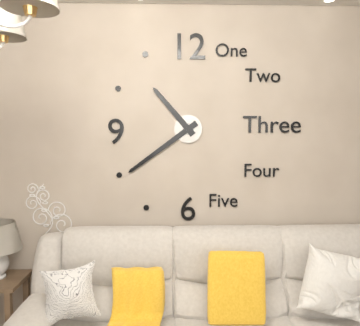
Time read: 10,39
